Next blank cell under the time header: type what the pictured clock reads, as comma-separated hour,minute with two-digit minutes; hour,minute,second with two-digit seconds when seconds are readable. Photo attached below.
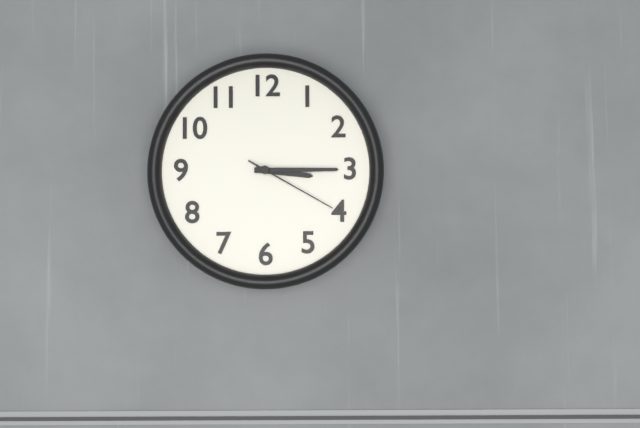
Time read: 3,15,20
